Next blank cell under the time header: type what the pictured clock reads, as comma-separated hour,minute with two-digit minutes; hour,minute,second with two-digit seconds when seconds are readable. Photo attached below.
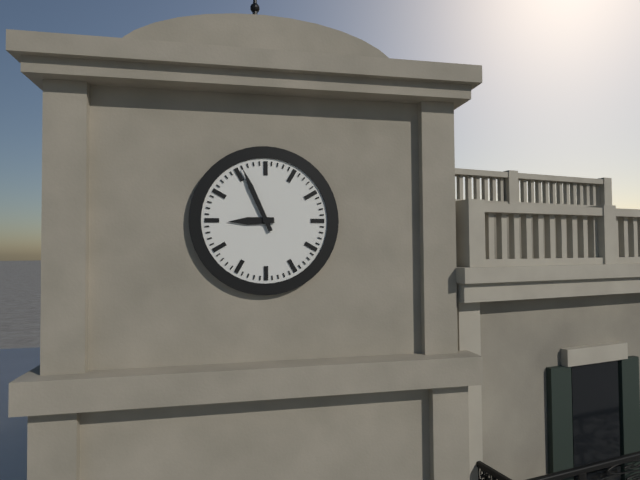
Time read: 8,56
